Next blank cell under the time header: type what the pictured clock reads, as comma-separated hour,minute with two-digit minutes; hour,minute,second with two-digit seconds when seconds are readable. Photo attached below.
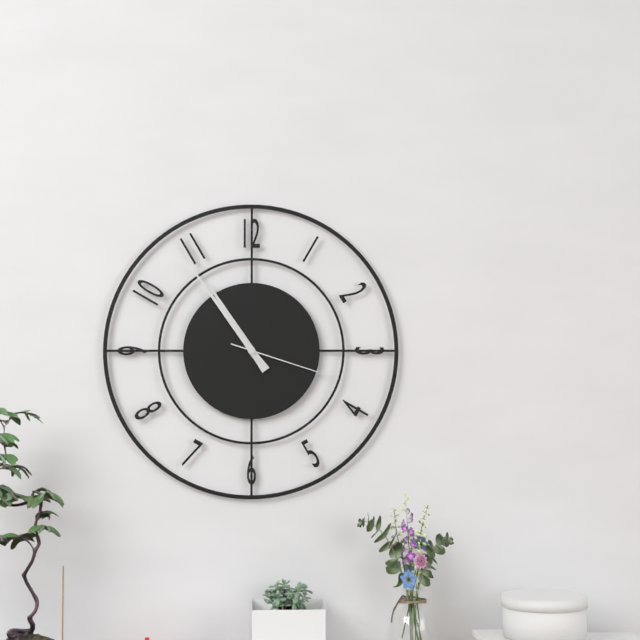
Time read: 10,54,18
